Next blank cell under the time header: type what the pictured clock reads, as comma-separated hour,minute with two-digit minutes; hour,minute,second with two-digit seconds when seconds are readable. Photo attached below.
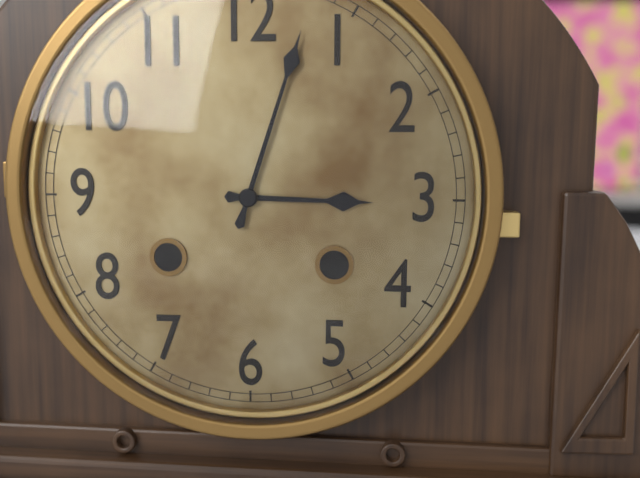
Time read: 3,03
